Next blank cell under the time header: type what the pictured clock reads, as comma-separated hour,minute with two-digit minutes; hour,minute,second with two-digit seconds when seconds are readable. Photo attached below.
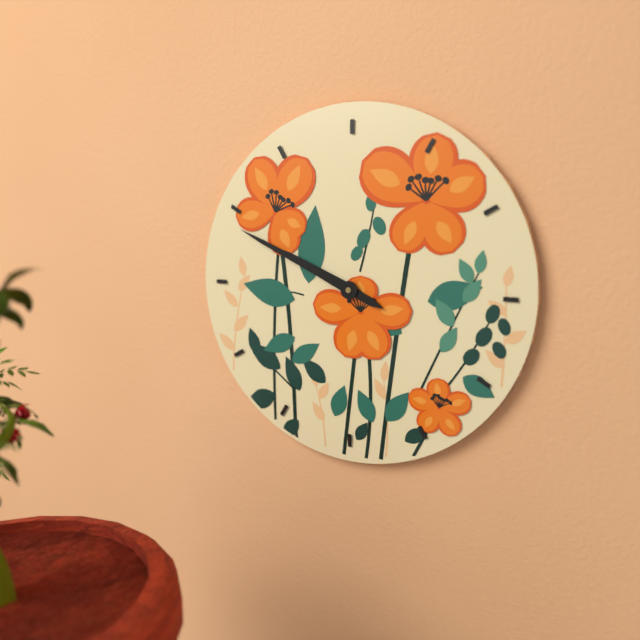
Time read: 9,49
